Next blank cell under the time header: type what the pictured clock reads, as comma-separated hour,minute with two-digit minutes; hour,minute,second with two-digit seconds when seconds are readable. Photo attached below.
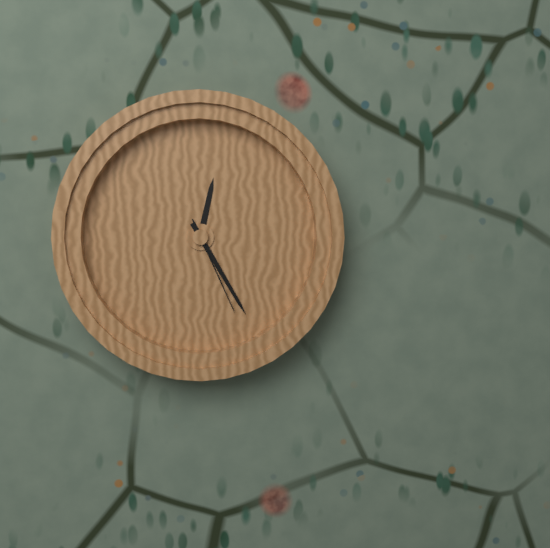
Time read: 12,25,26
